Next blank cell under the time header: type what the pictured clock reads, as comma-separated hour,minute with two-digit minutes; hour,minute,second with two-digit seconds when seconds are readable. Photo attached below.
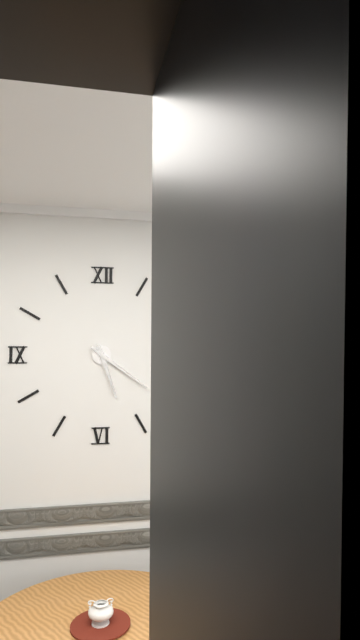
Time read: 5,21
